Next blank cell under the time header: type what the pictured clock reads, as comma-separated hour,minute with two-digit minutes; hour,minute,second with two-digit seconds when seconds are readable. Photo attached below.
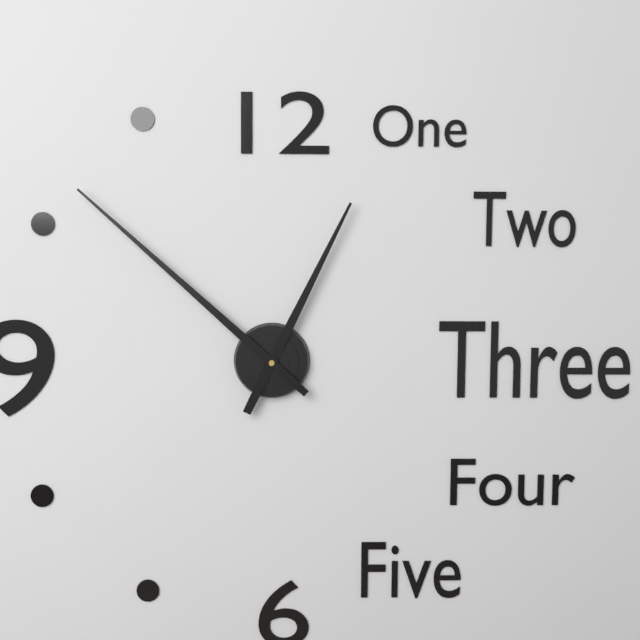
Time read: 12,52
